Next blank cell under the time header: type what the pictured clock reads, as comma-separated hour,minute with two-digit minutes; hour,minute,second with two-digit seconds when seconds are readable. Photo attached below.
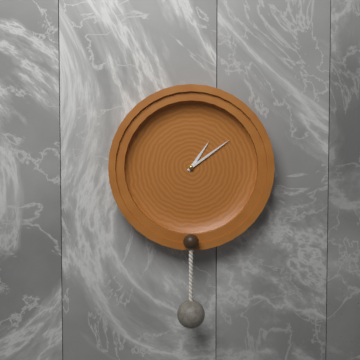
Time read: 1,09
